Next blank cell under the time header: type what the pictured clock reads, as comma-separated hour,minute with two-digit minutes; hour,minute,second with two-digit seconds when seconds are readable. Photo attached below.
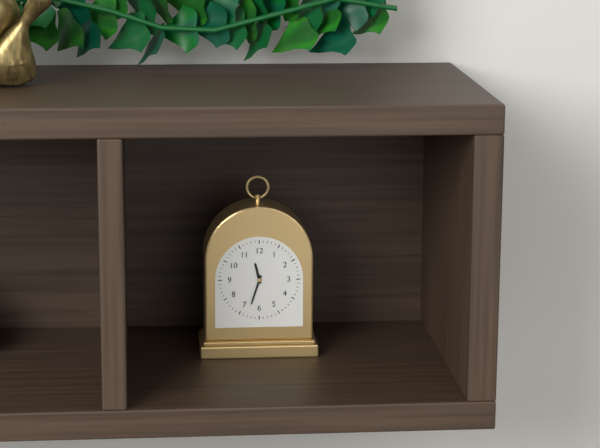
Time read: 11,33
